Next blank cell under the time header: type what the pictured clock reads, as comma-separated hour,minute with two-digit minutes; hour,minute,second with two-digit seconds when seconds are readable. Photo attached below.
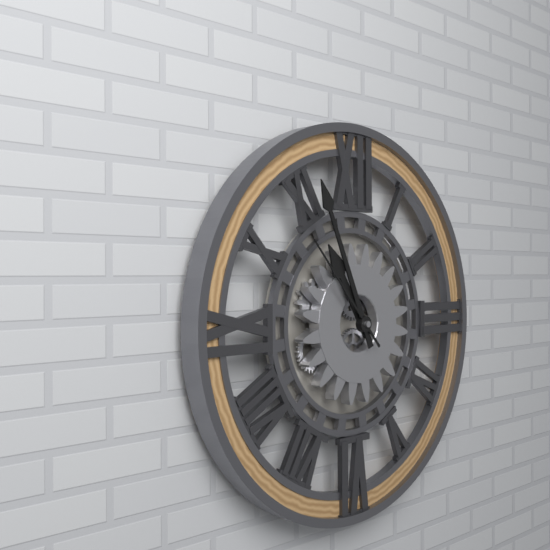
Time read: 10,56,53
